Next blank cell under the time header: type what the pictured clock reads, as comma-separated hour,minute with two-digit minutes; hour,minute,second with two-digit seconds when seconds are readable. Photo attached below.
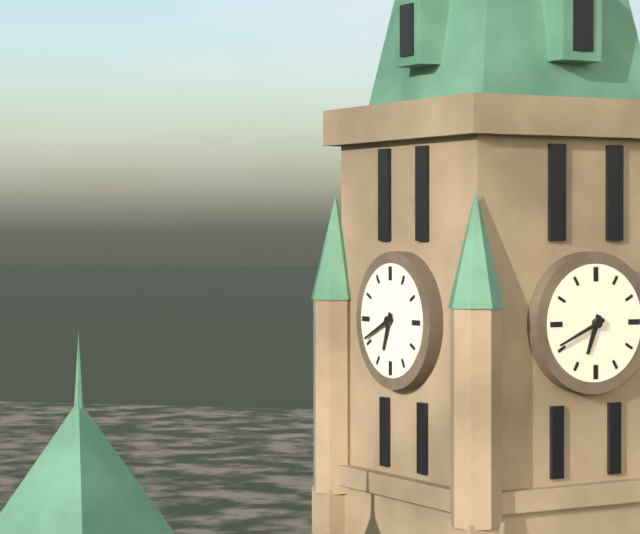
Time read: 6,41
